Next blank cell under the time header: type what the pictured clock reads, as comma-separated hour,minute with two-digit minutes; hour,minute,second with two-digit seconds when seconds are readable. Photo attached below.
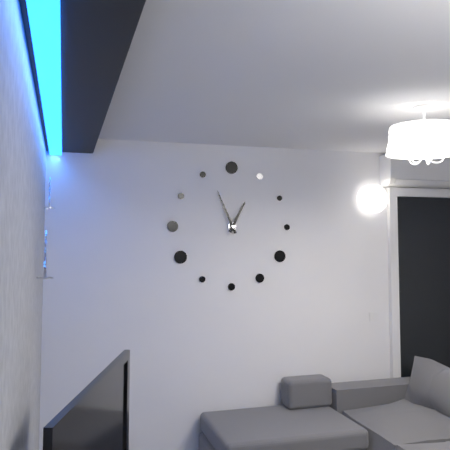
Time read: 12,56
